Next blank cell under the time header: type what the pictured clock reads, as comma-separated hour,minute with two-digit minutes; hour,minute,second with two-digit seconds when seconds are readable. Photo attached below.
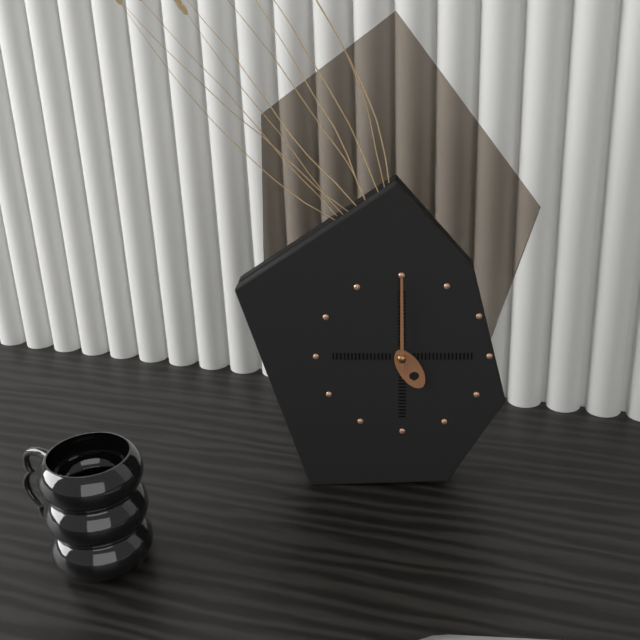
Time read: 5,00
